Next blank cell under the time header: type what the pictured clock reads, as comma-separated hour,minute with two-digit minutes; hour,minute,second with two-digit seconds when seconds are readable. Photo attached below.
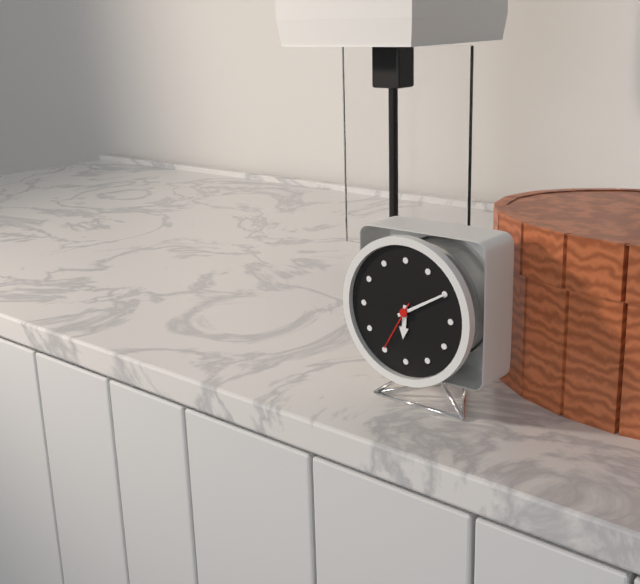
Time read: 6,10,35
